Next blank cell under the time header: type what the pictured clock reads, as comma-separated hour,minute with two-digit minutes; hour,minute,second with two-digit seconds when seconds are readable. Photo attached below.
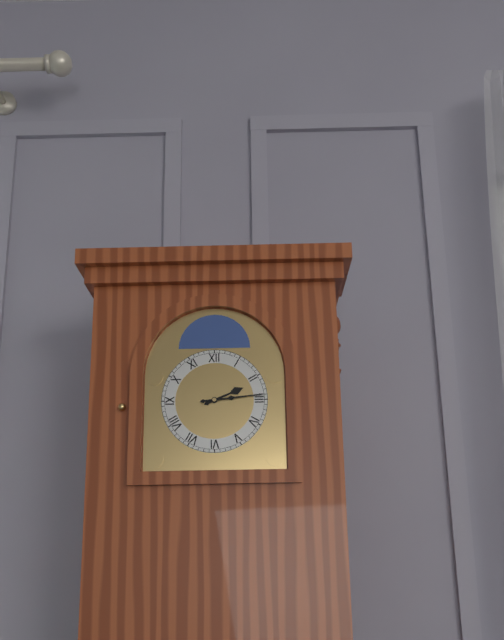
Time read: 2,14
